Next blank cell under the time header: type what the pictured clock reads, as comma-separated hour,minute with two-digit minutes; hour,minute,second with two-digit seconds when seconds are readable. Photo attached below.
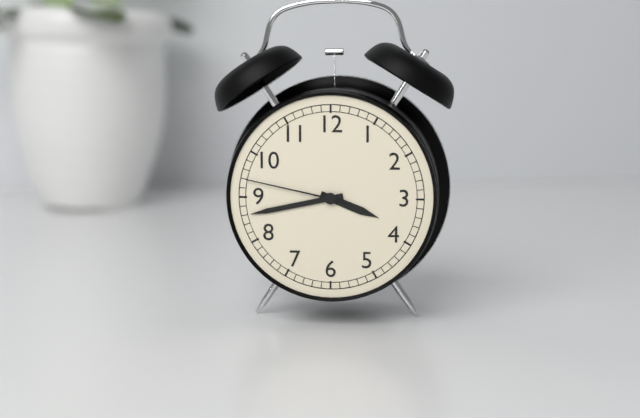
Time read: 3,43,47
